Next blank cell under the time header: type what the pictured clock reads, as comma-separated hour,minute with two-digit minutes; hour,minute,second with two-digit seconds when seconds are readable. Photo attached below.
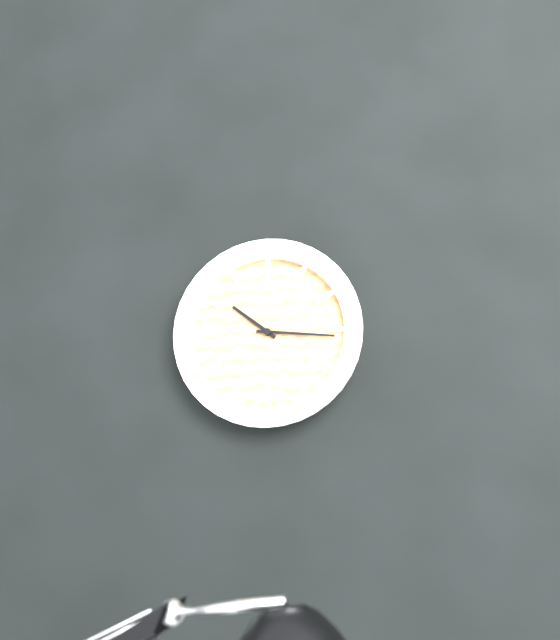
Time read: 10,16
